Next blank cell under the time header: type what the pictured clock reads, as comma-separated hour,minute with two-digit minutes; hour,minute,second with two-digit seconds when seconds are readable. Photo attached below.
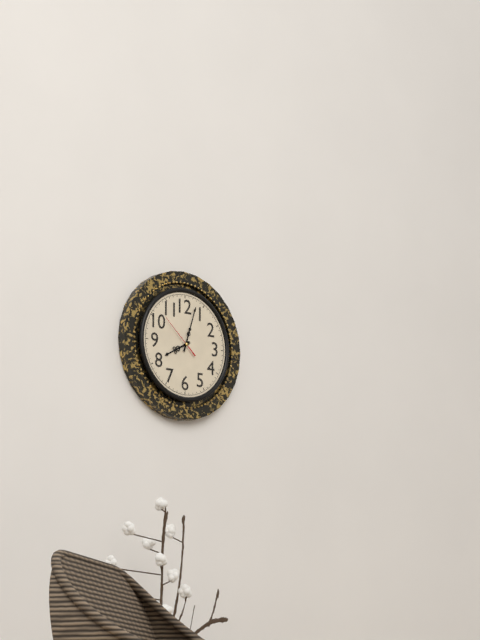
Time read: 8,03
